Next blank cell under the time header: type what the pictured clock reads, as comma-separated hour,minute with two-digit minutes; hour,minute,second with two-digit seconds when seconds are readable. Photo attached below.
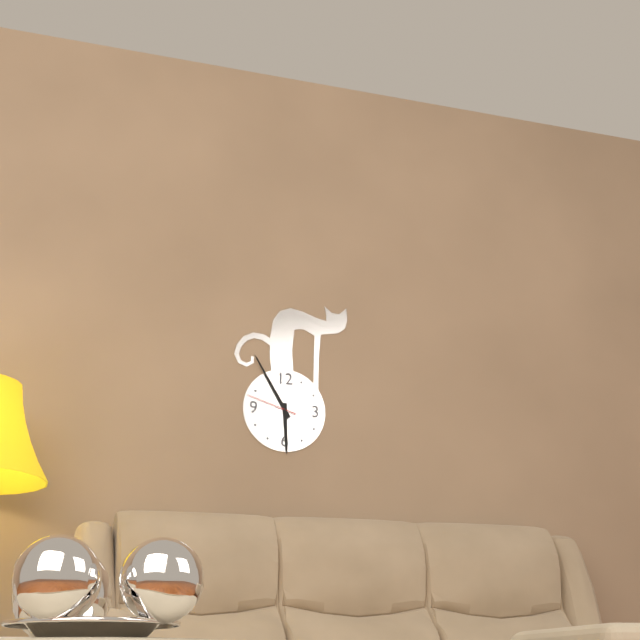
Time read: 5,55,48
